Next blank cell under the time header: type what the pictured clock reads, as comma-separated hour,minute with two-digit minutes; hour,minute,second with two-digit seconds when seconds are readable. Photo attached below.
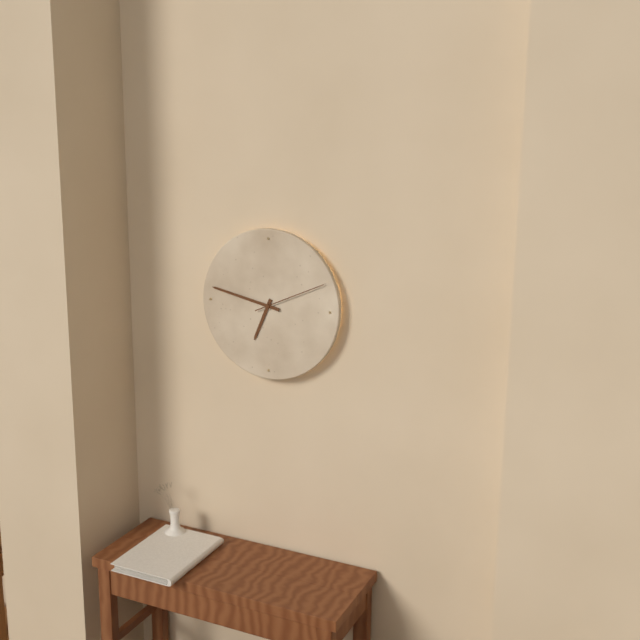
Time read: 6,47,11
